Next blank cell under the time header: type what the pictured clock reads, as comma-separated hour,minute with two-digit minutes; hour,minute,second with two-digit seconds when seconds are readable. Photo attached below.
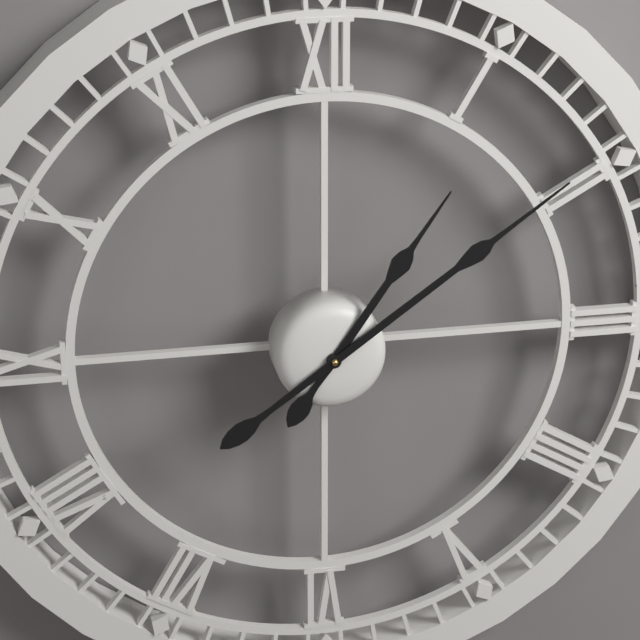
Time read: 1,09
